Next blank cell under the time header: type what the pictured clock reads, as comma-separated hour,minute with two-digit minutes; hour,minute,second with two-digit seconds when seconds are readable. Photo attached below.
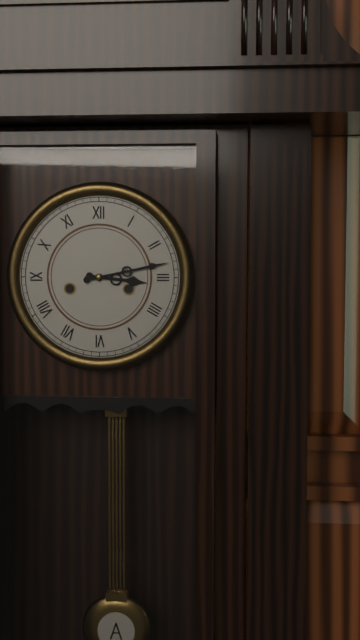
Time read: 3,13
